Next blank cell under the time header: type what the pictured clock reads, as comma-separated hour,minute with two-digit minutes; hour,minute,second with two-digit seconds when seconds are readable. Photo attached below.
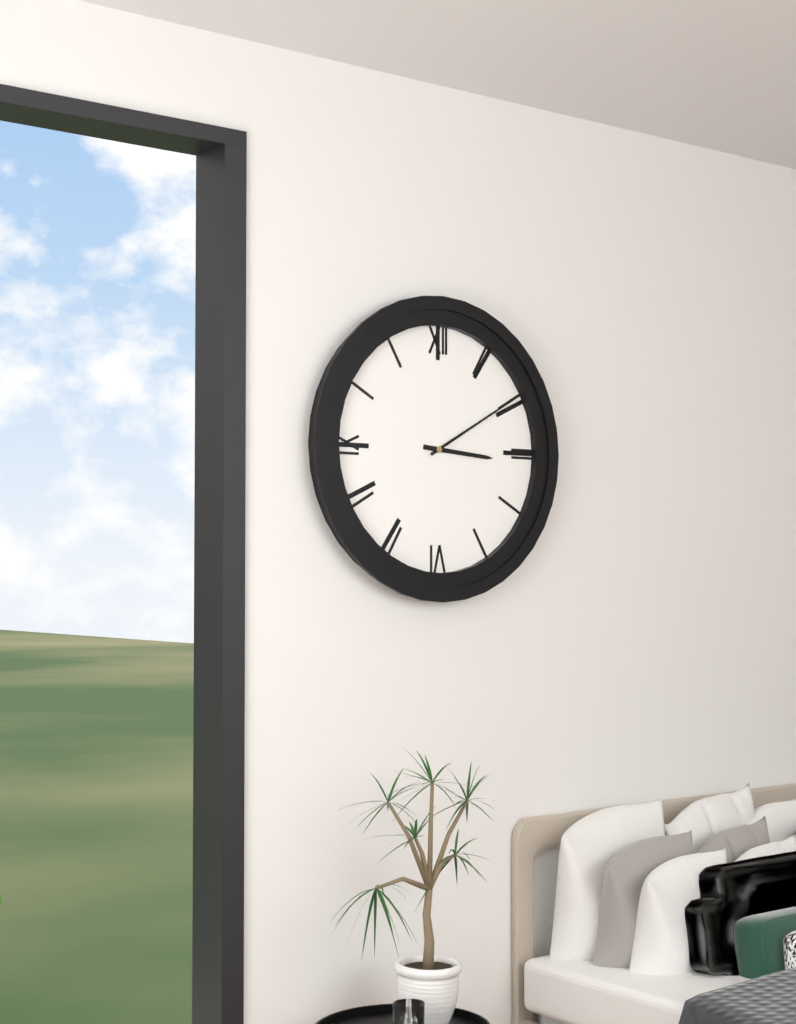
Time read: 3,10
